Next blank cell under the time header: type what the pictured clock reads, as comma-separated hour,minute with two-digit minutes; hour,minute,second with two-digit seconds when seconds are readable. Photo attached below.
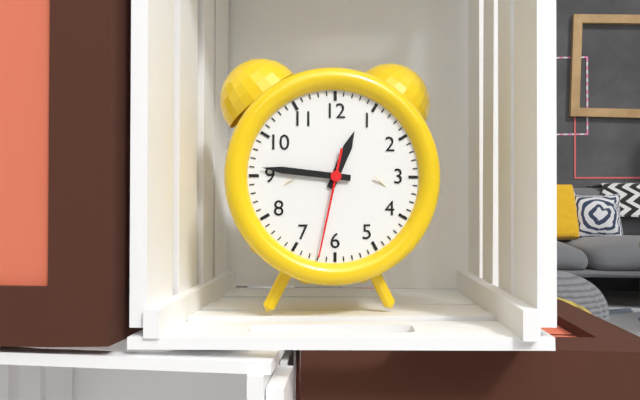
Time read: 12,46,32
